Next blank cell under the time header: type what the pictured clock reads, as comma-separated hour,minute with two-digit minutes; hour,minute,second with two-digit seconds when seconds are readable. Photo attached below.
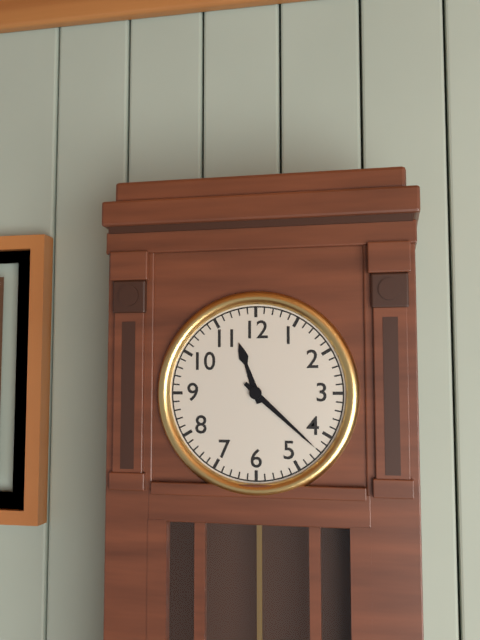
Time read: 11,22
